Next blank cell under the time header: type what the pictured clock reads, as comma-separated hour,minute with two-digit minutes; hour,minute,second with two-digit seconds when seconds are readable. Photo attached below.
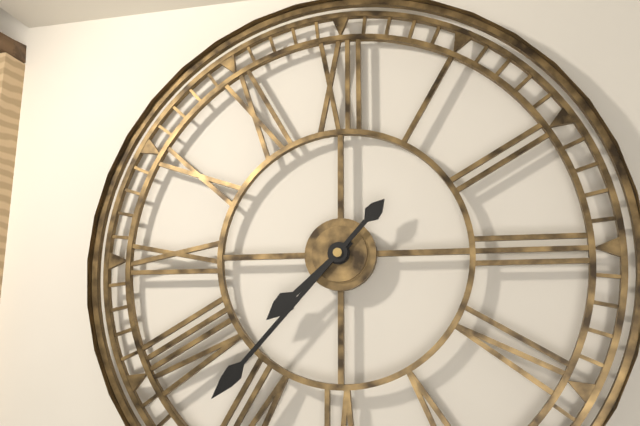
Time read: 7,37
